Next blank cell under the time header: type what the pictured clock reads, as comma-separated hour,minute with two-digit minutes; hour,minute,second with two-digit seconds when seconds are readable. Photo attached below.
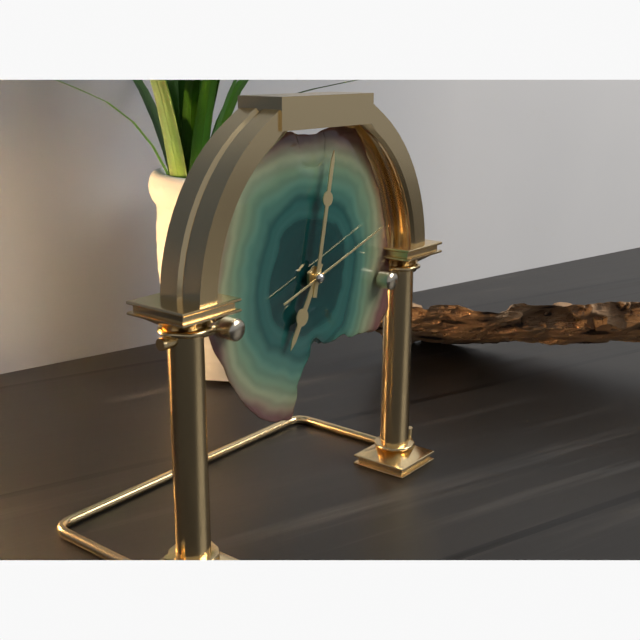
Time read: 7,02,12
